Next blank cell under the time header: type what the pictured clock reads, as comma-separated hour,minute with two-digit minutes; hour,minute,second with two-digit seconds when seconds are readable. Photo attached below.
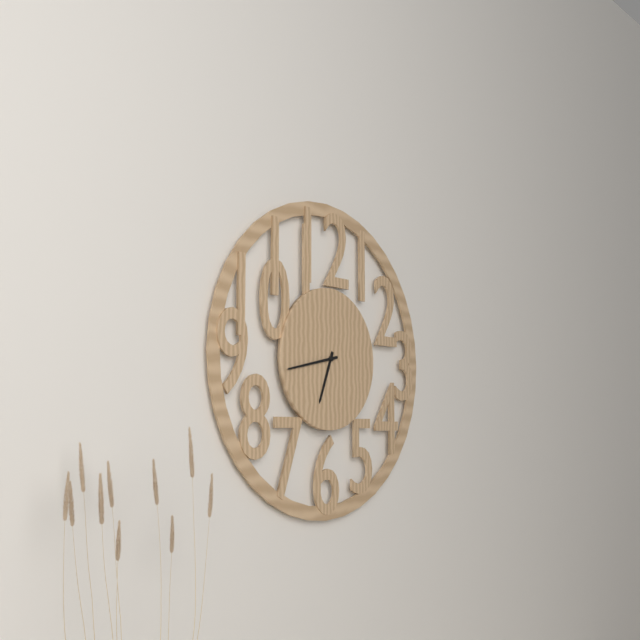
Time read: 6,43
